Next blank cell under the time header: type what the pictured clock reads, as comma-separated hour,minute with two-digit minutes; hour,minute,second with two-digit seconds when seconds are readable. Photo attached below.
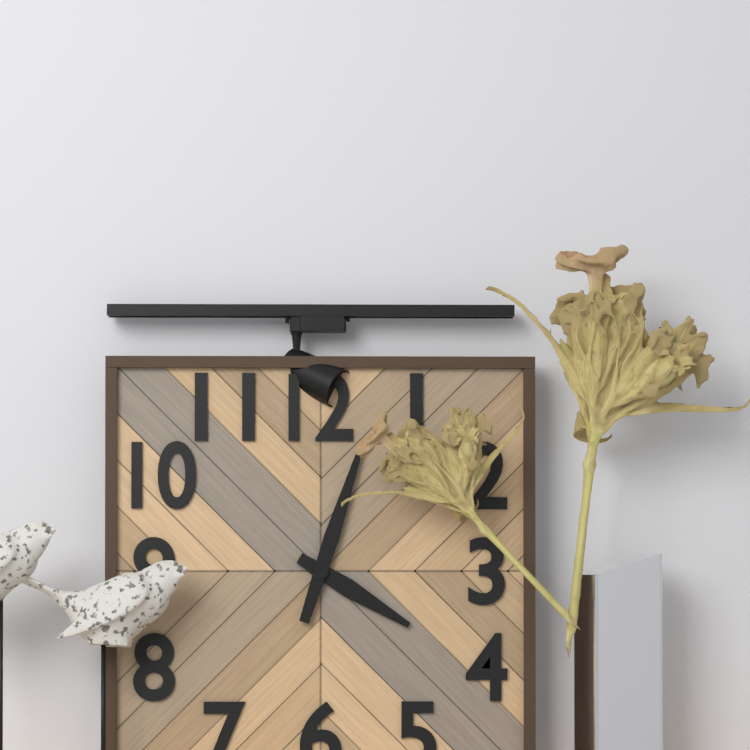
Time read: 4,03
